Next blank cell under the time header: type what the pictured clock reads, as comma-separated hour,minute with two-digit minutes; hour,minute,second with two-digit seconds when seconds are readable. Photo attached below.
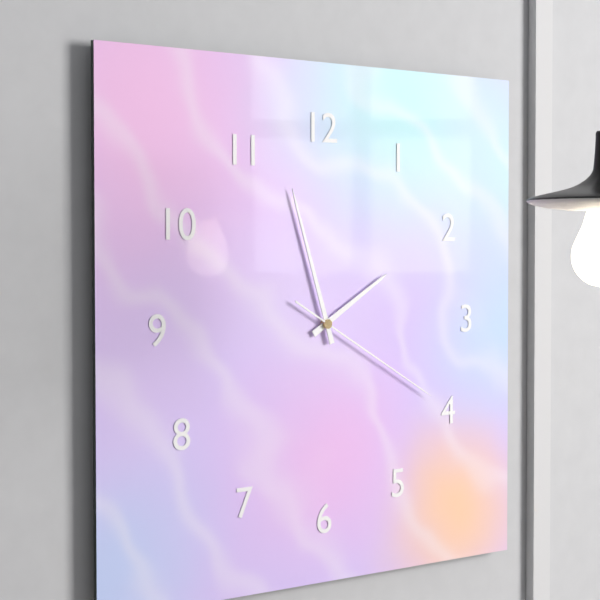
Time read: 1,57,20
